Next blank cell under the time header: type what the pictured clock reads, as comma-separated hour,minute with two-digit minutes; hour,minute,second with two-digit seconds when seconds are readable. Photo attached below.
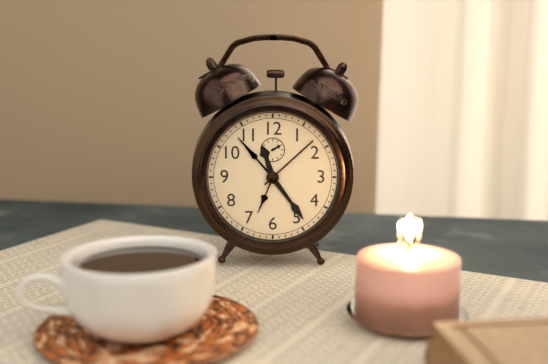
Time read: 11,24
